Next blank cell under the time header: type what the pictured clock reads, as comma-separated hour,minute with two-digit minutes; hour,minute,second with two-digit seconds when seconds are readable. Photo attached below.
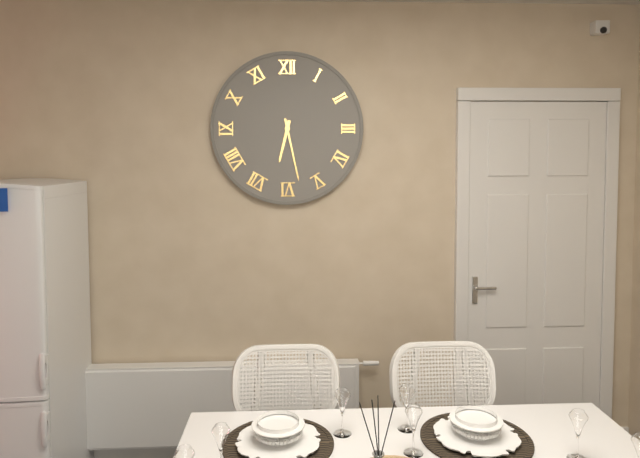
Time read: 6,28
